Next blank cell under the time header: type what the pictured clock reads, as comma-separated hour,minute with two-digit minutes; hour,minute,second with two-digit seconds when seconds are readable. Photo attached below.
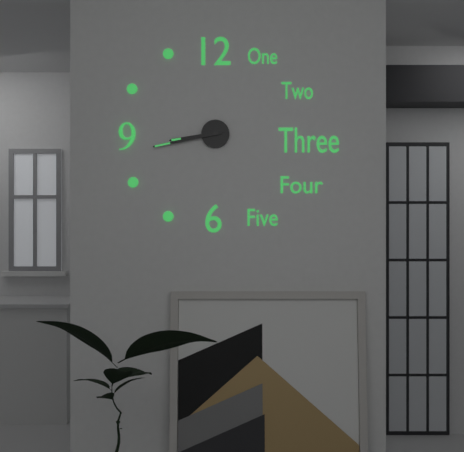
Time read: 8,43
